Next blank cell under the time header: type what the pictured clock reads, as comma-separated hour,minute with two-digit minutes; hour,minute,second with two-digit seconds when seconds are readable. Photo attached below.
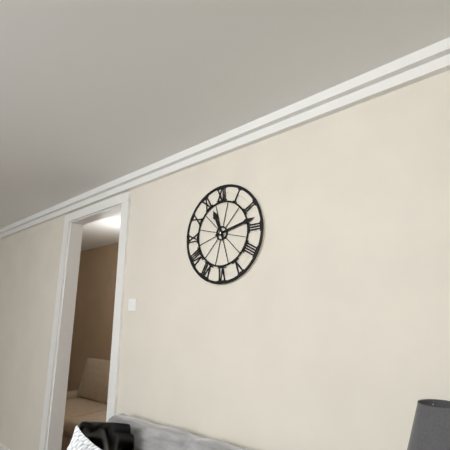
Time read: 11,13
